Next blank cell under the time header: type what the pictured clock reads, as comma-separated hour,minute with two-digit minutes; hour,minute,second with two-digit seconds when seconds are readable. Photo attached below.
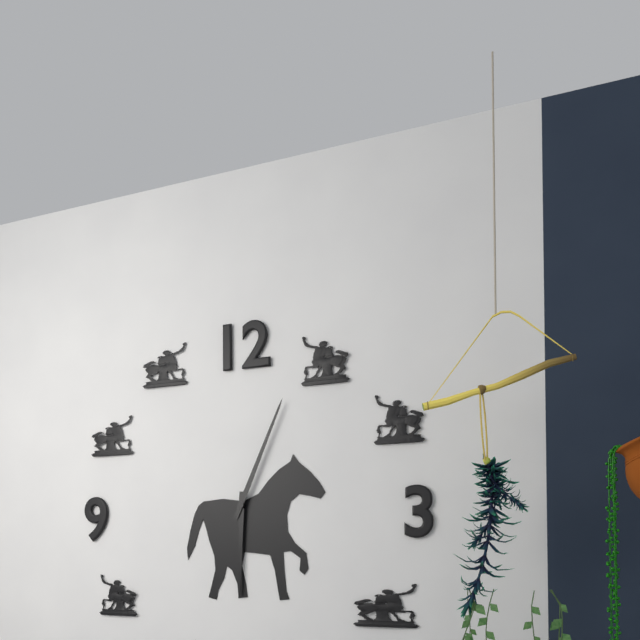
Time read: 6,04
